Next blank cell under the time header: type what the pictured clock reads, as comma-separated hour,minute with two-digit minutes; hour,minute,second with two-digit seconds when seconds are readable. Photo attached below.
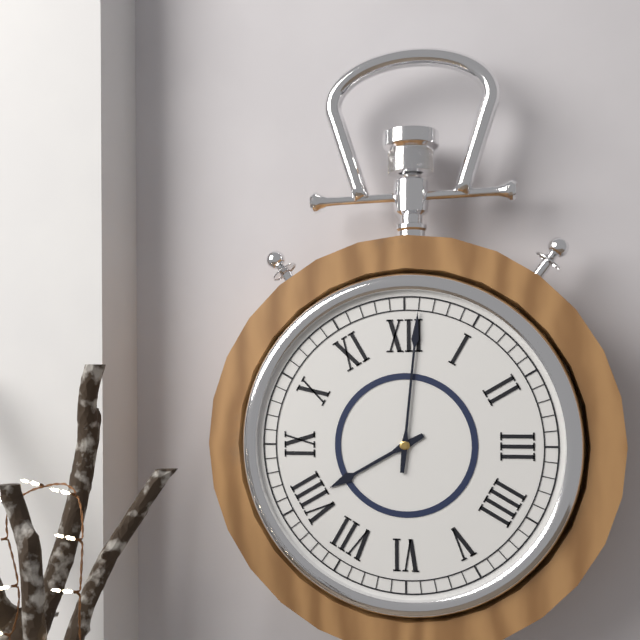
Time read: 8,01
